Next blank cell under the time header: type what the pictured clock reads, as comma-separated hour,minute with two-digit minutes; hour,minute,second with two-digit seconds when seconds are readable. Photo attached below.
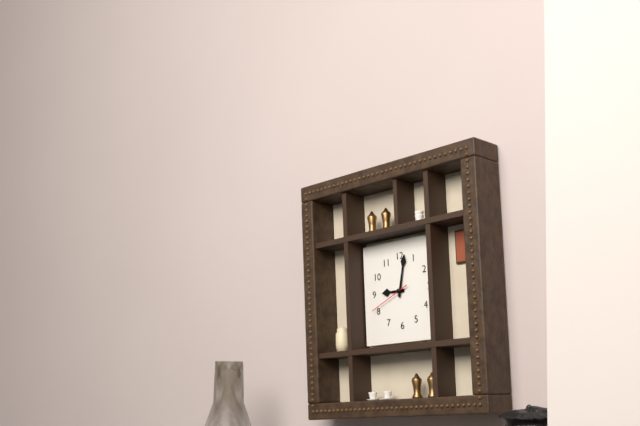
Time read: 9,02
